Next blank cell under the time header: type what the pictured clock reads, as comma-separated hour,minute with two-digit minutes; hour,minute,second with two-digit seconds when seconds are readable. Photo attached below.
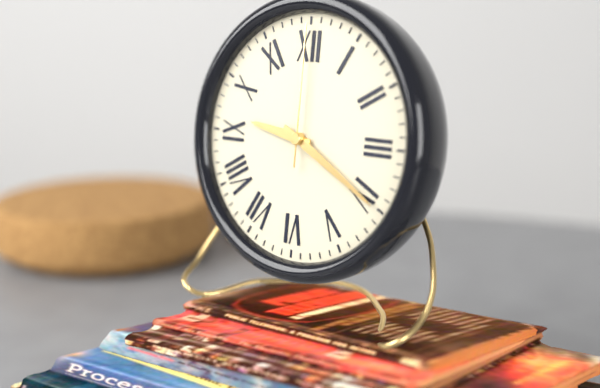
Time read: 9,20,00
